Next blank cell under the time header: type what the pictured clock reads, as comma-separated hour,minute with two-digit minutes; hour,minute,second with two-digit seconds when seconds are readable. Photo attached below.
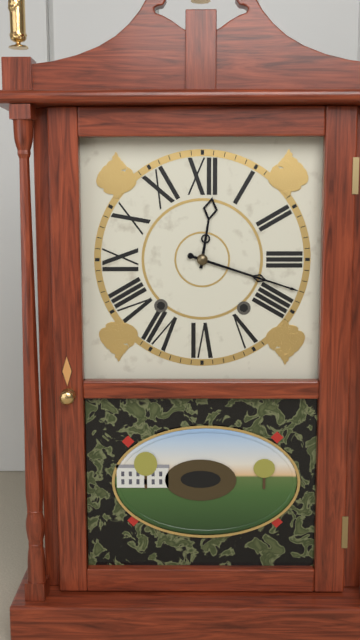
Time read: 12,18
